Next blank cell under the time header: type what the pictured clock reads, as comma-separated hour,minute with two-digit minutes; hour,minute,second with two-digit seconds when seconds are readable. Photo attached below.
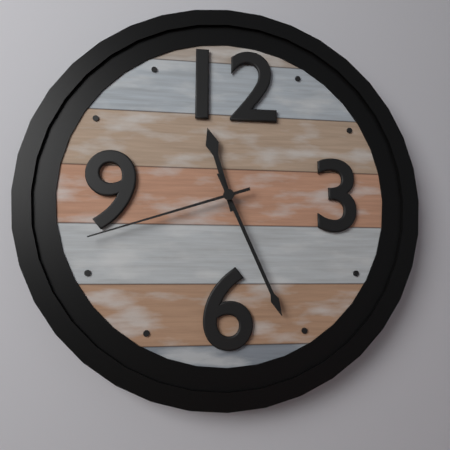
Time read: 11,26,42
